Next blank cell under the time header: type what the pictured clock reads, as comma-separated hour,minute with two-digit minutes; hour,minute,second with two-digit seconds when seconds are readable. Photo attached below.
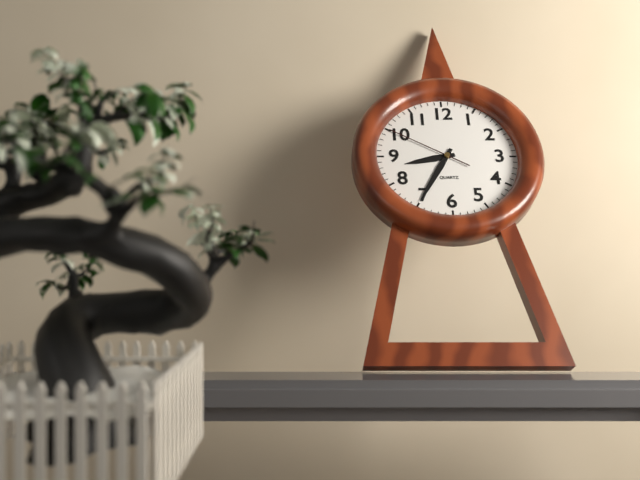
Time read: 8,35,50
